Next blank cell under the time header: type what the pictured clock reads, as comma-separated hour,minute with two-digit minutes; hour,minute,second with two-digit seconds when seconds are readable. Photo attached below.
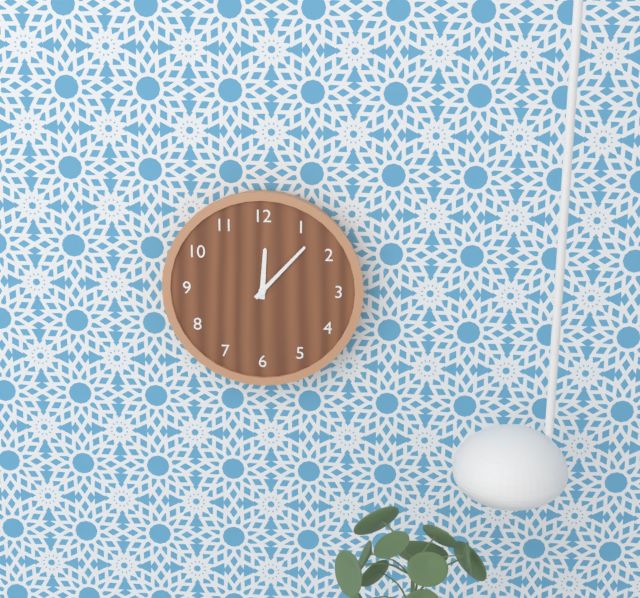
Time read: 12,07
